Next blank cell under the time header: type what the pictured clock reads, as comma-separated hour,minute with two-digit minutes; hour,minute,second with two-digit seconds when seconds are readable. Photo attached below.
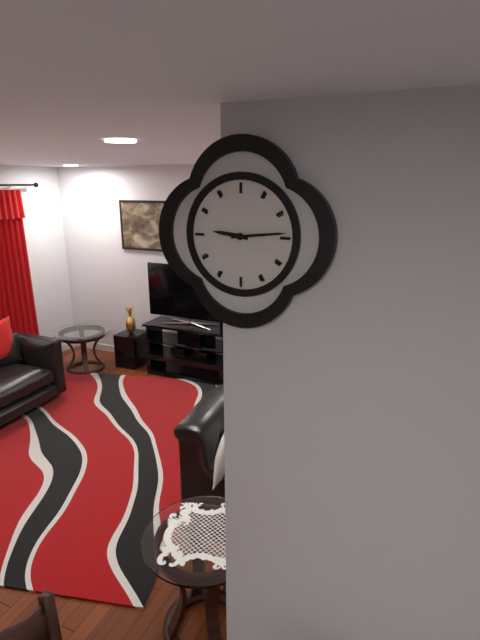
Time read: 9,14
